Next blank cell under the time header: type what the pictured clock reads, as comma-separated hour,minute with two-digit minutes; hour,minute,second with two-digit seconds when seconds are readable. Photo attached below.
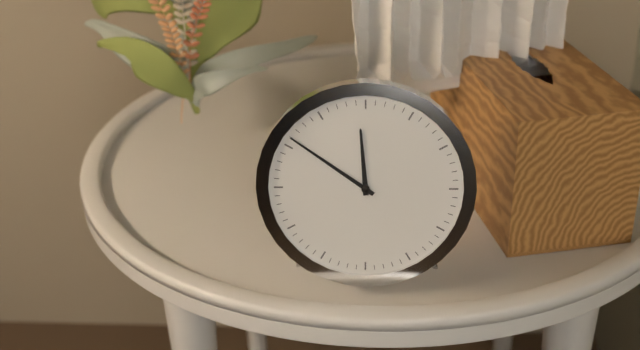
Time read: 11,51
